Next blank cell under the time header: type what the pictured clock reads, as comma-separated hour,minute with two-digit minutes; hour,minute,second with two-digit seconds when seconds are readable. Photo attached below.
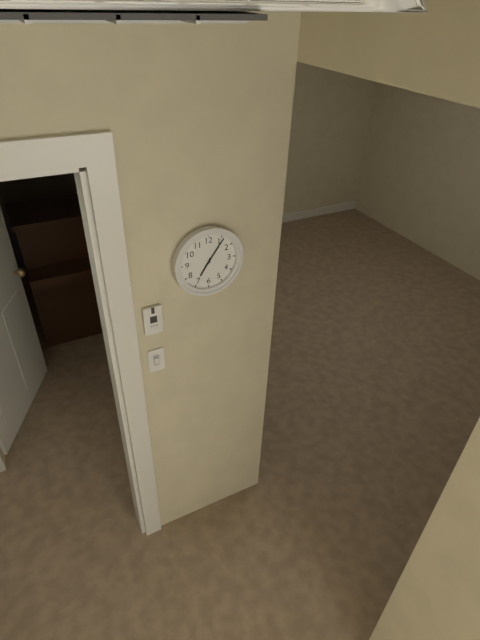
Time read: 7,06
